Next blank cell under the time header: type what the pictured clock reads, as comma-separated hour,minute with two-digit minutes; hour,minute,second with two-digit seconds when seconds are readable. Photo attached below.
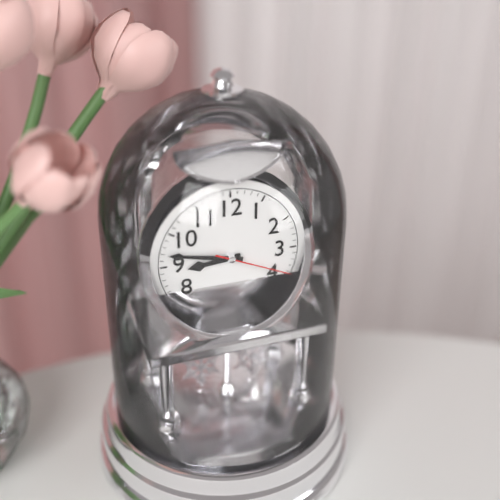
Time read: 8,47,19
